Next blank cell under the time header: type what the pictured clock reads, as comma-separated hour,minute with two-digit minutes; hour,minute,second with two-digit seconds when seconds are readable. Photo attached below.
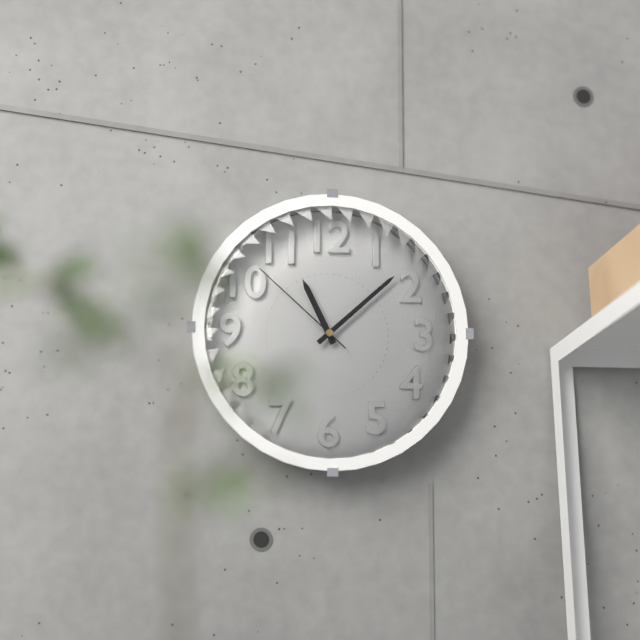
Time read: 11,08,52
